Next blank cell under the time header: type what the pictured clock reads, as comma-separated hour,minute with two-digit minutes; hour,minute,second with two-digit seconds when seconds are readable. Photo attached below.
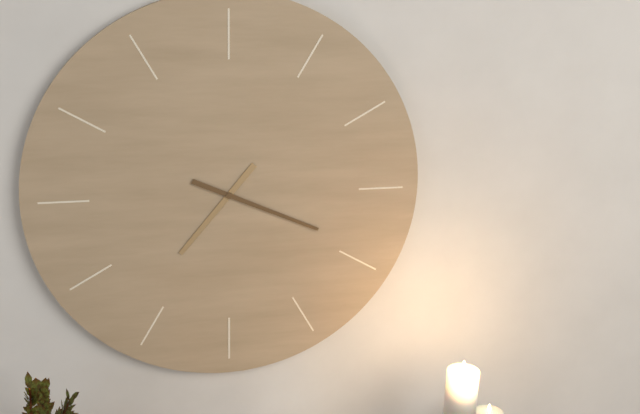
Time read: 7,19
